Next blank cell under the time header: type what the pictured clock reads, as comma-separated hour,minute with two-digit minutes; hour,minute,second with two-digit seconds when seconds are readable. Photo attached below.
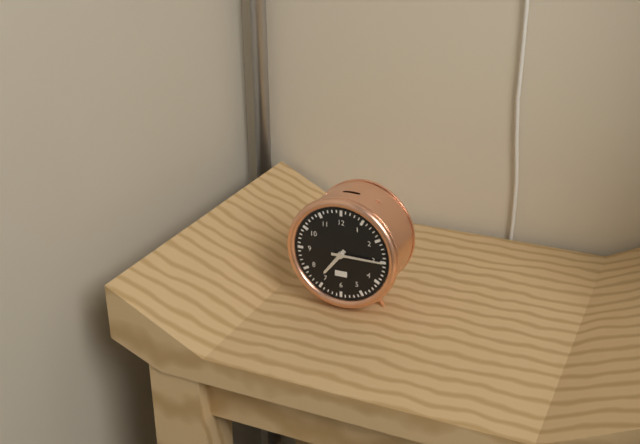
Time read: 7,15
